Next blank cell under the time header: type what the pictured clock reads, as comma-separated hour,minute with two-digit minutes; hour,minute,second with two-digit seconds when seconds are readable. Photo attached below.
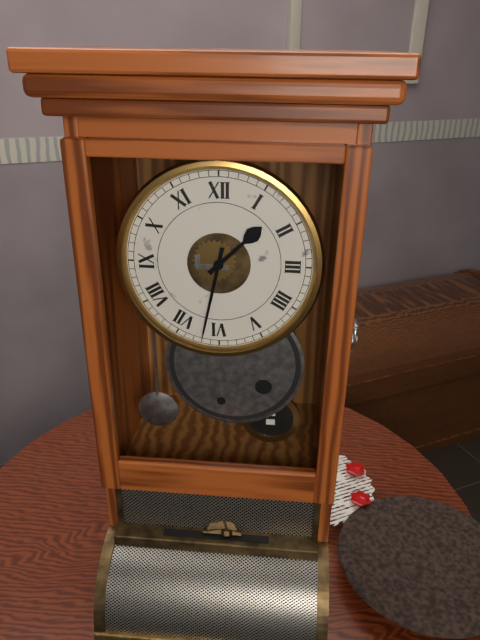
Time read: 1,32
